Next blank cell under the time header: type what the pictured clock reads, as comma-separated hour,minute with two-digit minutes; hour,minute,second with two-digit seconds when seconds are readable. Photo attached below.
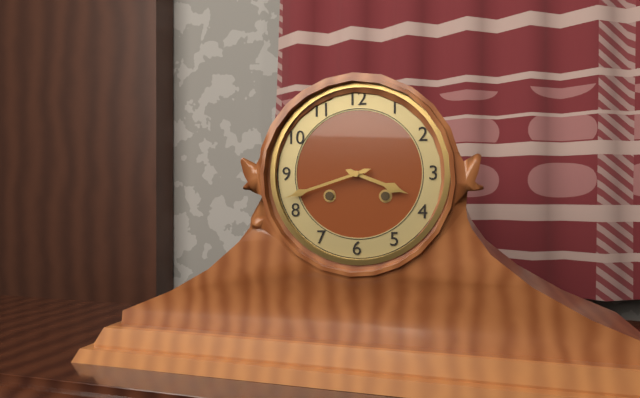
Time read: 3,42
